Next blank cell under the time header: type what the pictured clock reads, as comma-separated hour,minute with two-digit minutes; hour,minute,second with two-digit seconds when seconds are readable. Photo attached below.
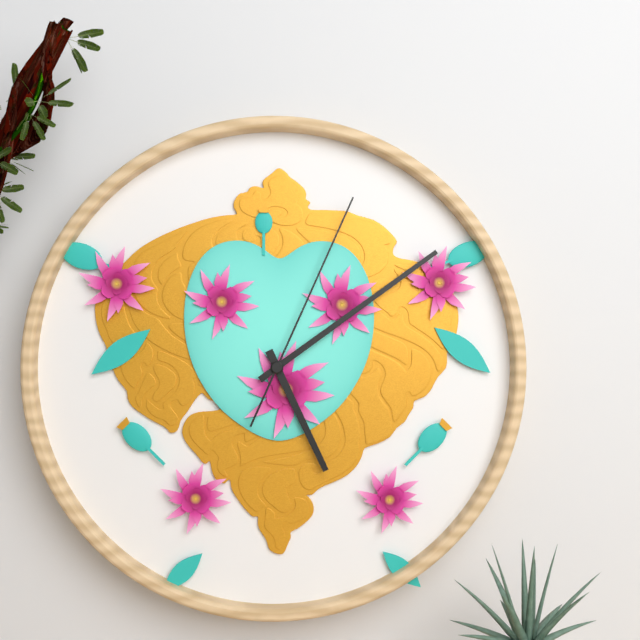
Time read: 5,09,04
